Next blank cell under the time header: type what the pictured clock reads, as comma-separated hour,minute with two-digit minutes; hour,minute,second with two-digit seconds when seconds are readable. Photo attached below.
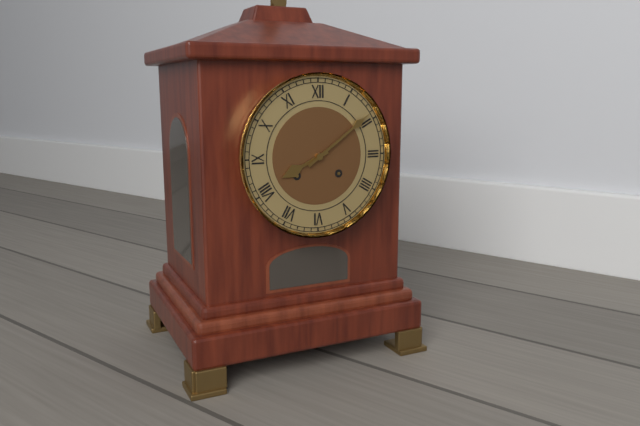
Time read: 8,09
